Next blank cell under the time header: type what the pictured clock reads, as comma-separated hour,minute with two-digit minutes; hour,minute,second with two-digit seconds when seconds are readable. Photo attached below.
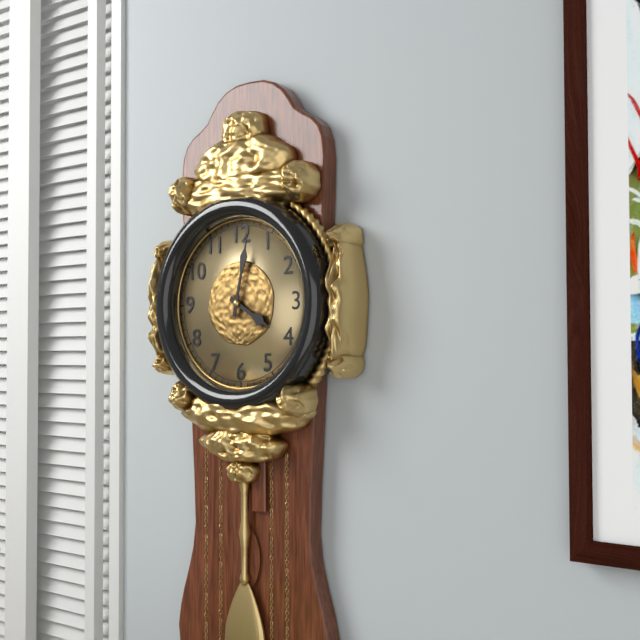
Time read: 4,02
